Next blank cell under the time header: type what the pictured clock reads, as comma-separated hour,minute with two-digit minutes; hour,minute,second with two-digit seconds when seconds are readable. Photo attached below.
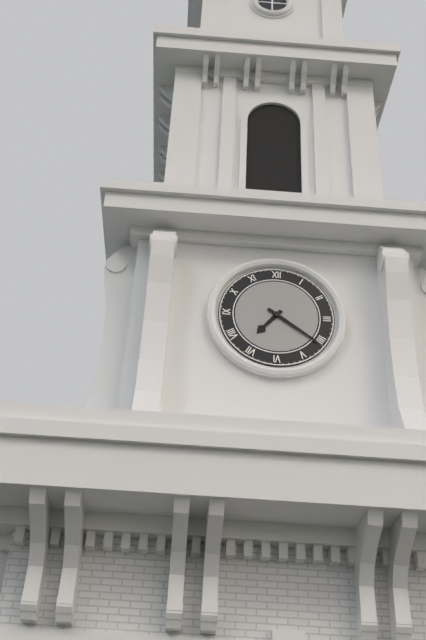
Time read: 7,21
